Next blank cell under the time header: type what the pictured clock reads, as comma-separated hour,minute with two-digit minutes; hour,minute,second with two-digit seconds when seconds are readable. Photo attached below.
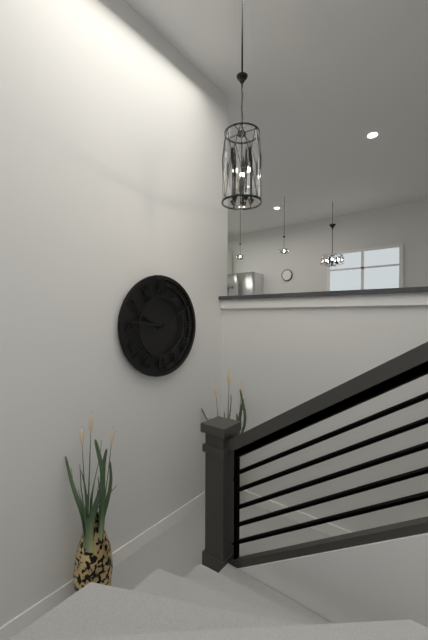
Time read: 9,46
